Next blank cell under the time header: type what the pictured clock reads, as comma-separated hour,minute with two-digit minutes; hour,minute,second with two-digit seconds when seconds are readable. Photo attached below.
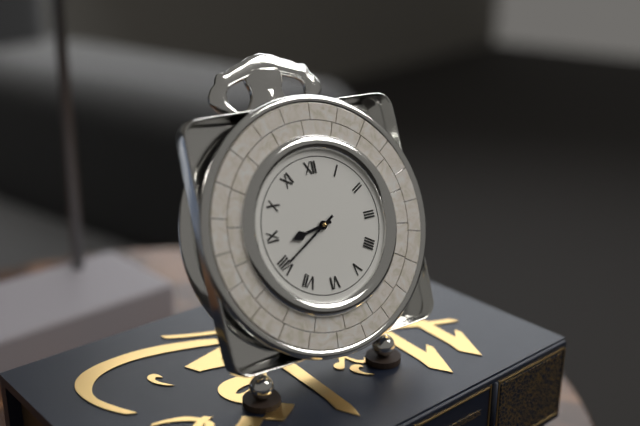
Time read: 8,40
